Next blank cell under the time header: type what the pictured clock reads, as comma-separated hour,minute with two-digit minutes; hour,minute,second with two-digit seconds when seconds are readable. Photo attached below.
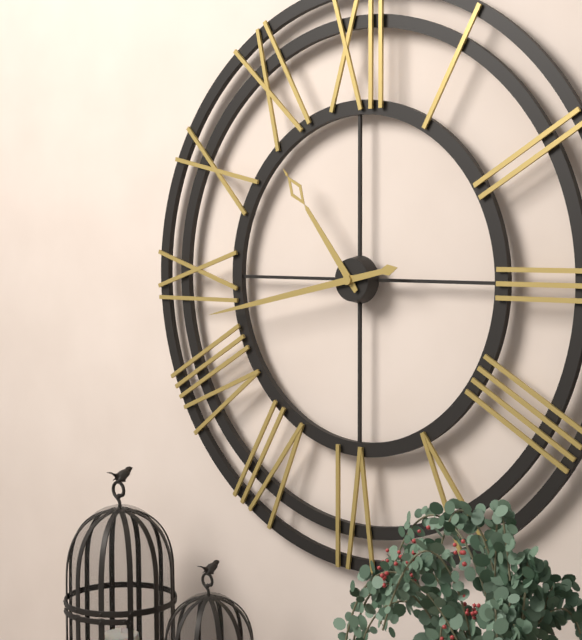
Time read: 10,43
